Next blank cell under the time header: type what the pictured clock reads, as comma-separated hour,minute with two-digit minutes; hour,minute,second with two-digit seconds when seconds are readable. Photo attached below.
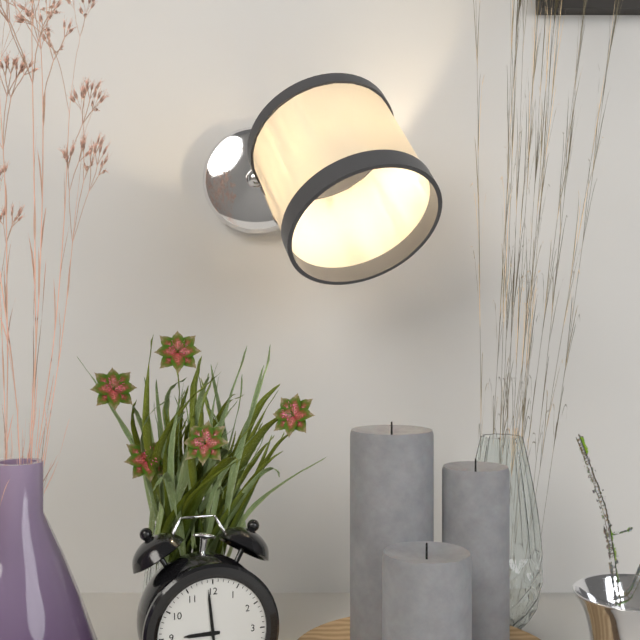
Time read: 8,59
